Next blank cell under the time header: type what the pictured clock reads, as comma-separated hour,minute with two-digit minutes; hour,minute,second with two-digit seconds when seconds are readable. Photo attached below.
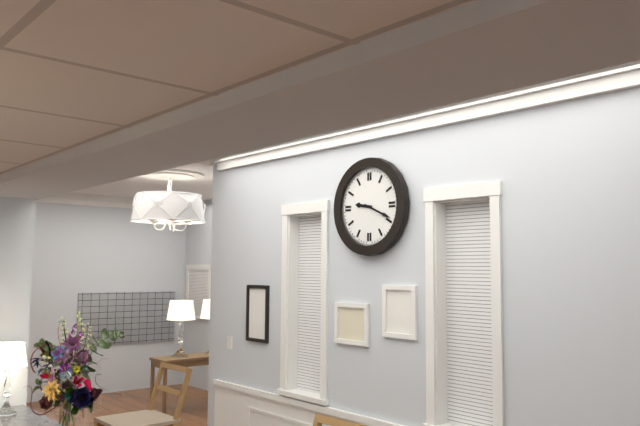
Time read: 9,19
